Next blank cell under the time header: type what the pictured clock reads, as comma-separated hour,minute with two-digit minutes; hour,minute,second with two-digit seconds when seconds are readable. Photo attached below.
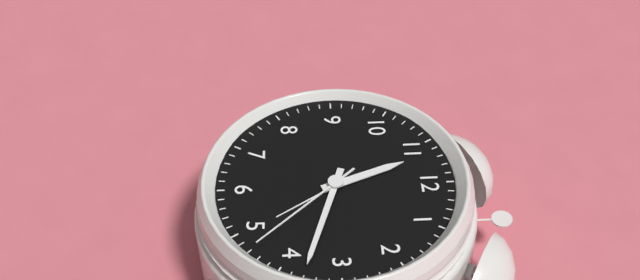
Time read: 11,18,23
